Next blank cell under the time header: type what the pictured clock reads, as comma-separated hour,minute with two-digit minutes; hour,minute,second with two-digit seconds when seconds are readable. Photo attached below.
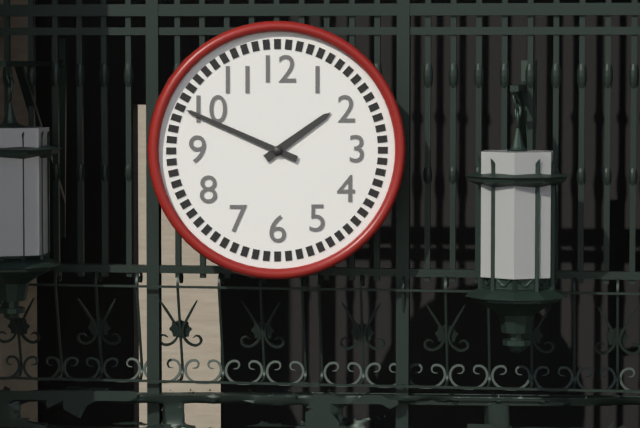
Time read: 1,49
